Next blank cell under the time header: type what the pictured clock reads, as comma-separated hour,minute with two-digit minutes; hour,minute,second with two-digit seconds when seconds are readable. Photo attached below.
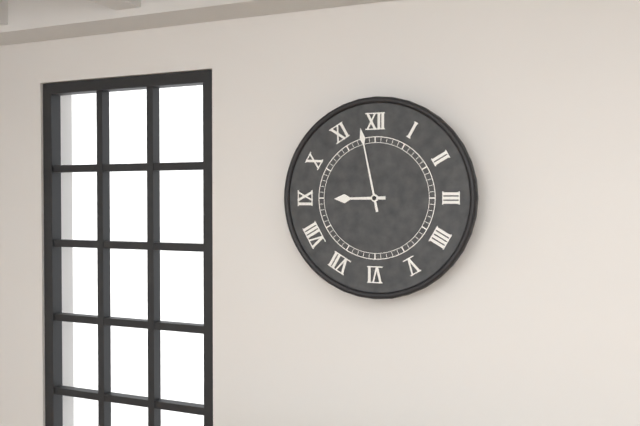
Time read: 8,58
